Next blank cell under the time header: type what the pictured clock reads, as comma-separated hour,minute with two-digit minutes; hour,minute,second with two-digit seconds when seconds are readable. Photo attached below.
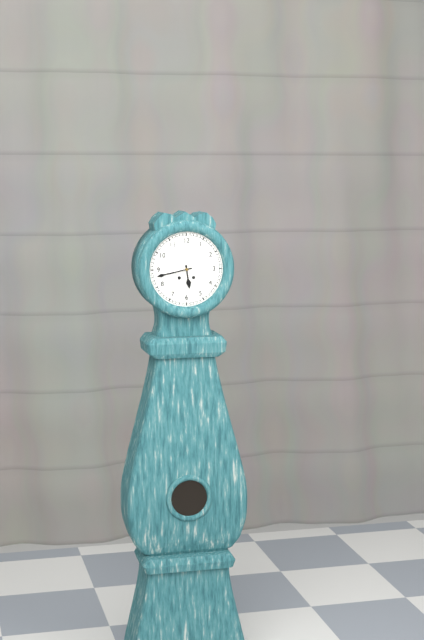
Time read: 5,43
